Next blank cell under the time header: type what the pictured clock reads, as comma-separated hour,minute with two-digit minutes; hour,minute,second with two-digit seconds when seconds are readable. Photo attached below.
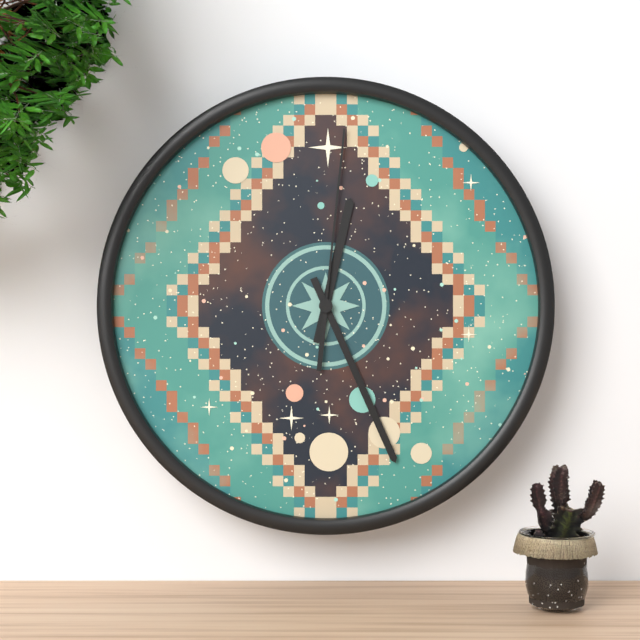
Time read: 12,26,01
